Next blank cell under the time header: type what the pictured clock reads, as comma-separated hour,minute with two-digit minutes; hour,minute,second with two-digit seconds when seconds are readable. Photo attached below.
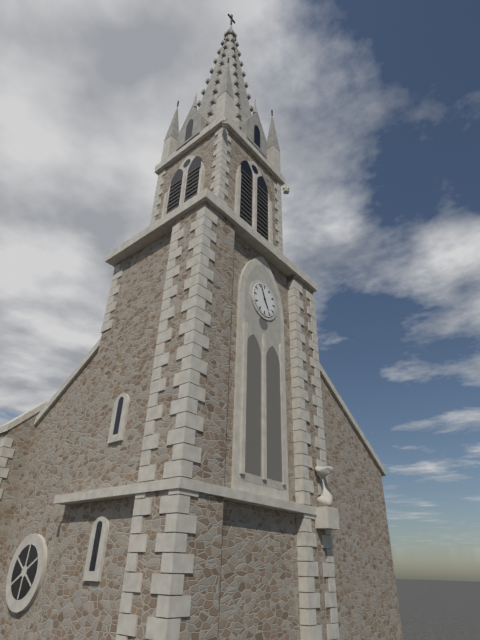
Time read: 4,56
